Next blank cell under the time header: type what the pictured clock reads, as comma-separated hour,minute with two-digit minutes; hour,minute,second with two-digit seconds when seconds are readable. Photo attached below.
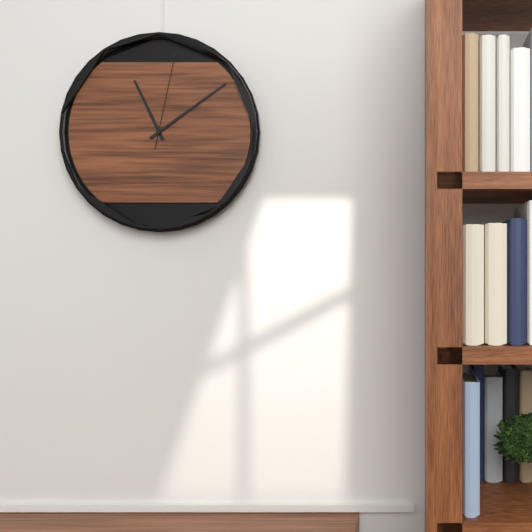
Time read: 11,09,02
